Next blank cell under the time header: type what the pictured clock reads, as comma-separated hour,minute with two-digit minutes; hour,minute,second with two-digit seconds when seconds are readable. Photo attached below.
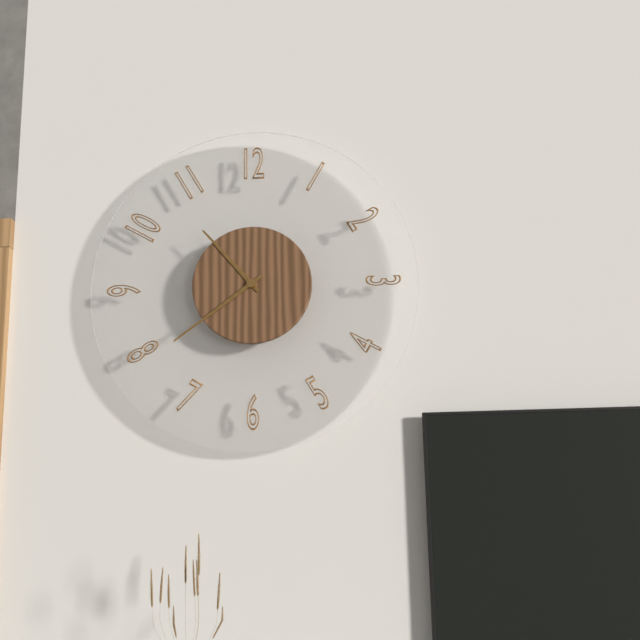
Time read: 10,39
